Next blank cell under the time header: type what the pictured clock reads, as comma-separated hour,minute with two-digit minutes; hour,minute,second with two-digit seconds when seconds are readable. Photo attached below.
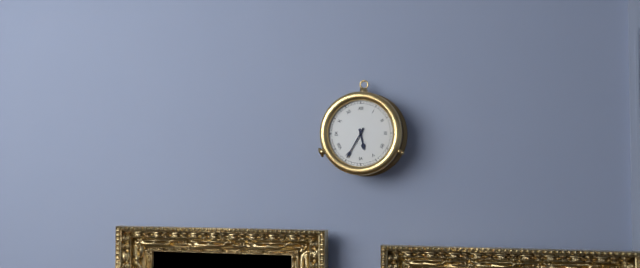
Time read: 5,35
